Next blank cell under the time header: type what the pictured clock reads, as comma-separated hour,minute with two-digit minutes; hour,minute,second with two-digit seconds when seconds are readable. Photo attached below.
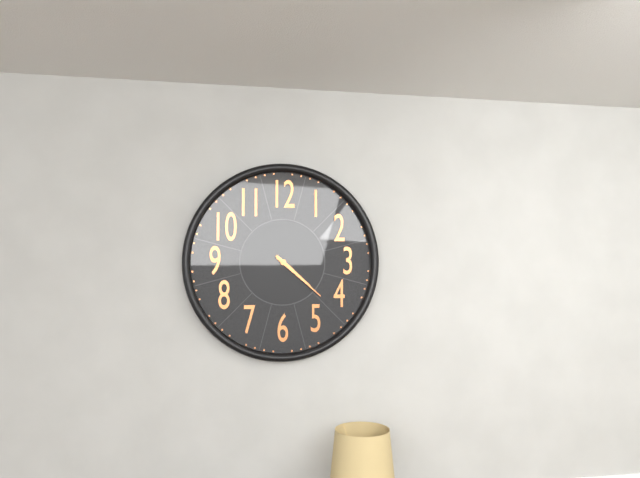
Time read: 4,22
